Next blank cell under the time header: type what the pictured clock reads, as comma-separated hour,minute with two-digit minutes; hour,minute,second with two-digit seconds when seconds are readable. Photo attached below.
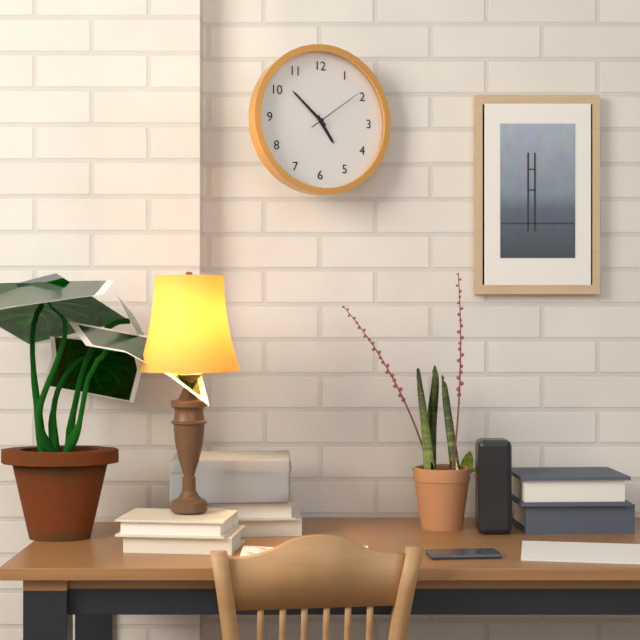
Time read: 4,52,09
